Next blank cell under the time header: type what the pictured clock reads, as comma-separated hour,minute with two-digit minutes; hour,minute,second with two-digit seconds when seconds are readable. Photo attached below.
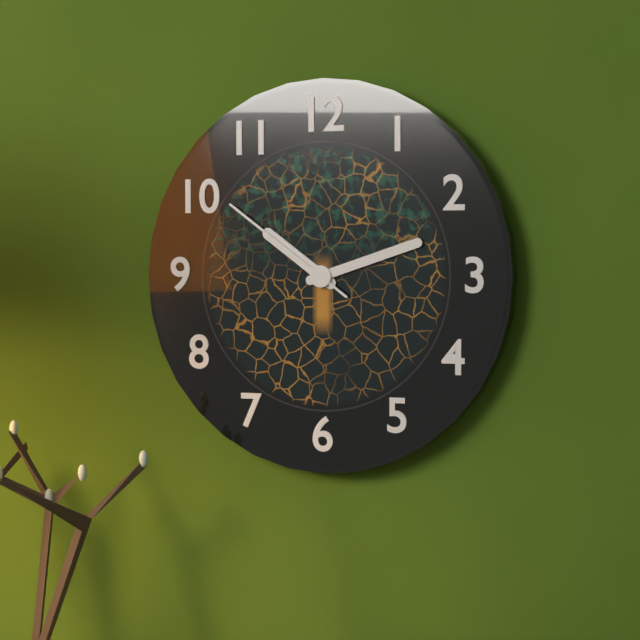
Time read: 10,12,51
